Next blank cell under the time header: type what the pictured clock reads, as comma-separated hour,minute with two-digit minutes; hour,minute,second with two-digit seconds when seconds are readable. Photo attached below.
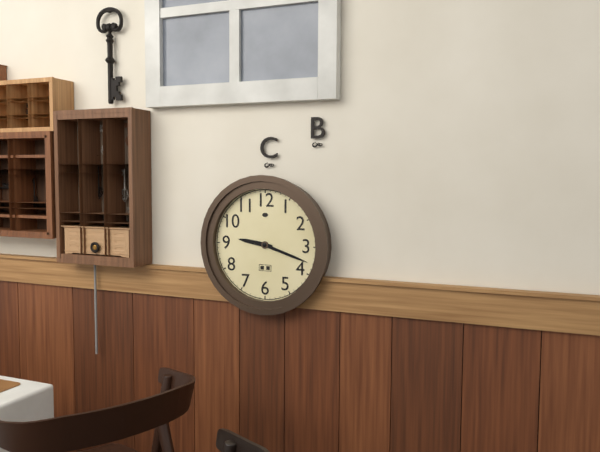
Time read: 9,18
